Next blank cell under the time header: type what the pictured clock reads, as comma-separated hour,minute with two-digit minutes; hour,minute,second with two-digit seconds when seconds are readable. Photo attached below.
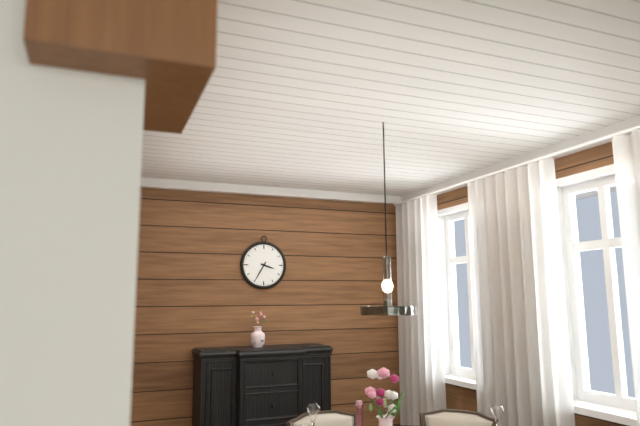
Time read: 3,35
